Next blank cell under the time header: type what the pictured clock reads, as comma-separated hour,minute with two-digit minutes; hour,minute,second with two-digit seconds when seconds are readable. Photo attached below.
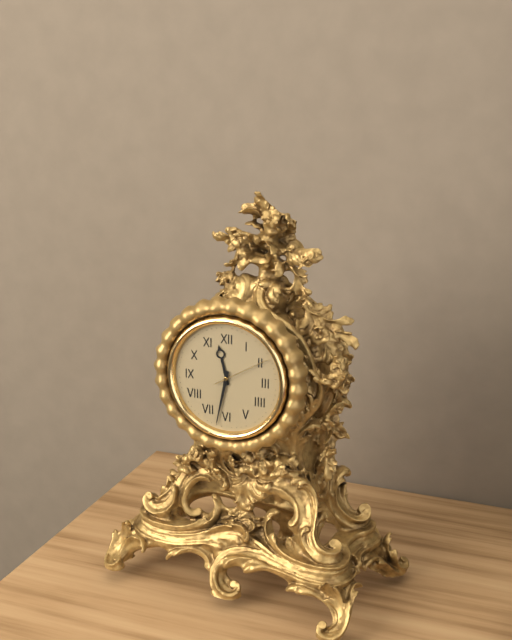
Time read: 11,32,10
